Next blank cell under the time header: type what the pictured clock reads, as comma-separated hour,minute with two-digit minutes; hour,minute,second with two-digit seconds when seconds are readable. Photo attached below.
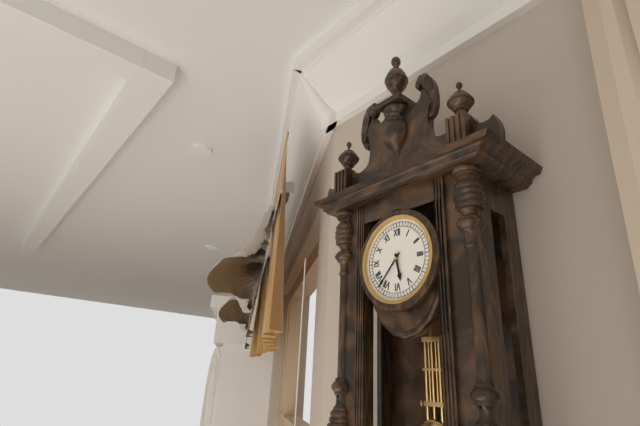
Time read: 5,37
